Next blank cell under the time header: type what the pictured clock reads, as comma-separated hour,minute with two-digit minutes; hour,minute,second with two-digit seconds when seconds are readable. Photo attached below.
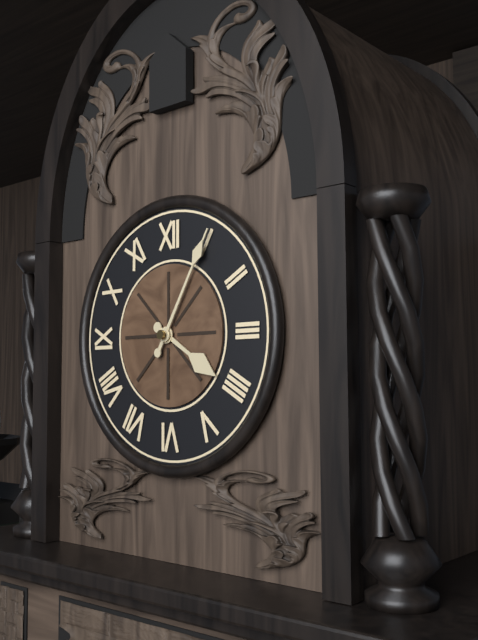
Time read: 4,05
